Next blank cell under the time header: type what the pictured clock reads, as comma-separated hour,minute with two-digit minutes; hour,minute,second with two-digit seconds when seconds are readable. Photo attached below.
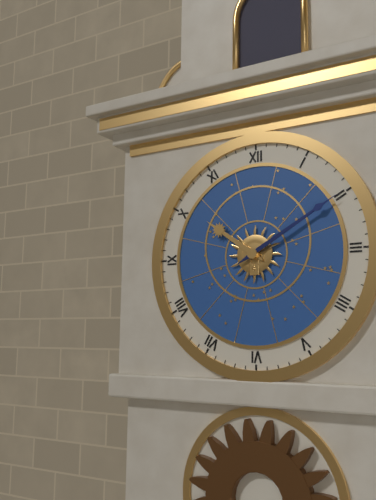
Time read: 10,10
